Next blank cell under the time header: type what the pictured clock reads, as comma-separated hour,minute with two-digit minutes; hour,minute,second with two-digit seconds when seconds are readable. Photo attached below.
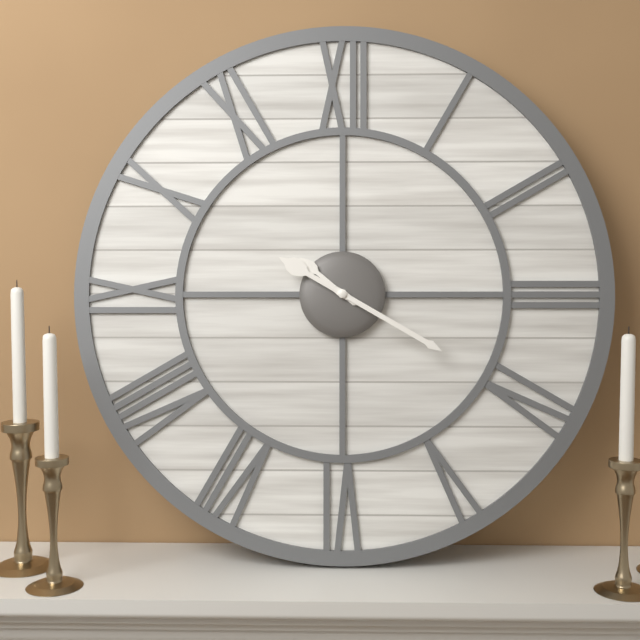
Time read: 10,20
